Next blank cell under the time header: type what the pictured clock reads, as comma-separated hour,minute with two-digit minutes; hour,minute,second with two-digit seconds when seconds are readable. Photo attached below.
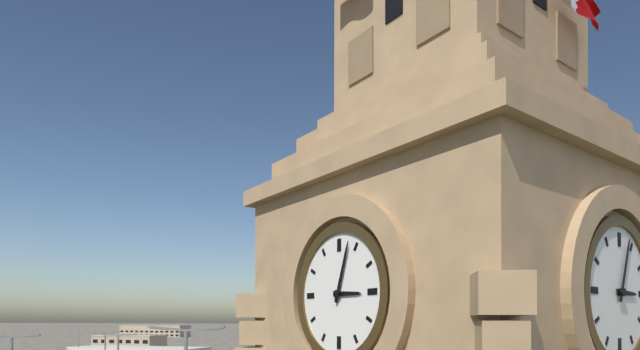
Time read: 3,03
